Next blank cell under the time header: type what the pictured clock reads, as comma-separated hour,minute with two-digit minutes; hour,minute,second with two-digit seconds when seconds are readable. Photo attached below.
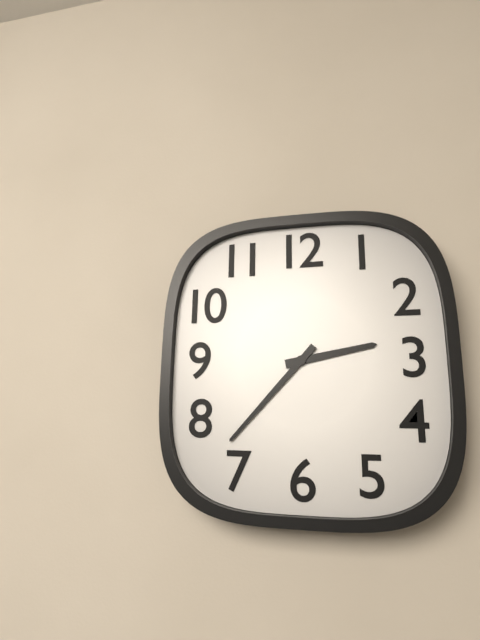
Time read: 2,37
